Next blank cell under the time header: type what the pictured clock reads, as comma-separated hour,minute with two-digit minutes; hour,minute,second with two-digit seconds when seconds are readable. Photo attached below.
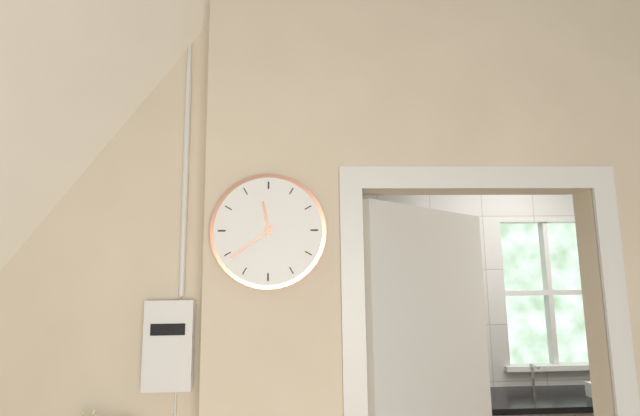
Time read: 11,39
